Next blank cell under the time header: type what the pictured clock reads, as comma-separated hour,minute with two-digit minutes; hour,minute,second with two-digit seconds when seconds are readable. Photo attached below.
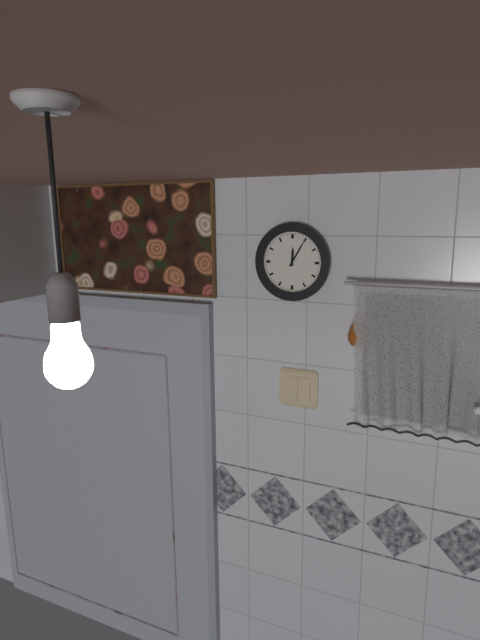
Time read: 12,05
